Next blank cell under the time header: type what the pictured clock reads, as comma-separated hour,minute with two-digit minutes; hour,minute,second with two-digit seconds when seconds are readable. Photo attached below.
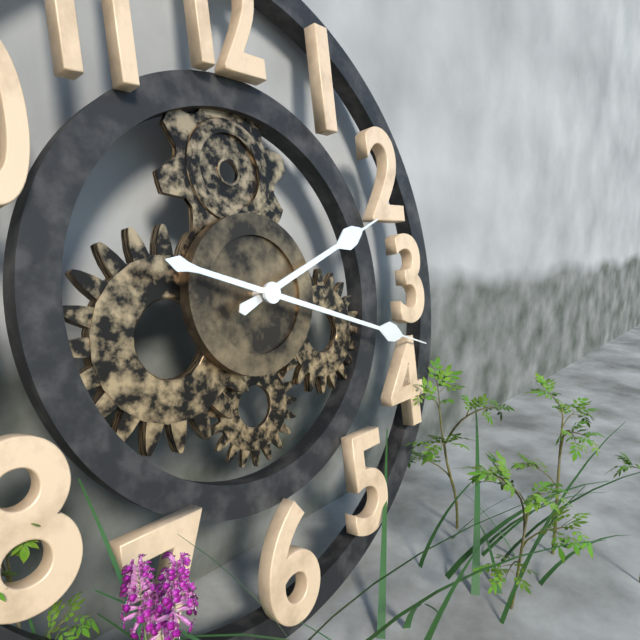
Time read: 2,18
